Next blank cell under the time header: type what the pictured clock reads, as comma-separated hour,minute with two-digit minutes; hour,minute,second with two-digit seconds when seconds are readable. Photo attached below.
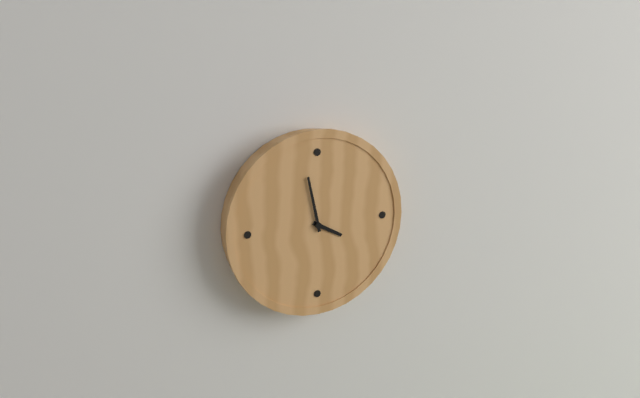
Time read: 3,58
